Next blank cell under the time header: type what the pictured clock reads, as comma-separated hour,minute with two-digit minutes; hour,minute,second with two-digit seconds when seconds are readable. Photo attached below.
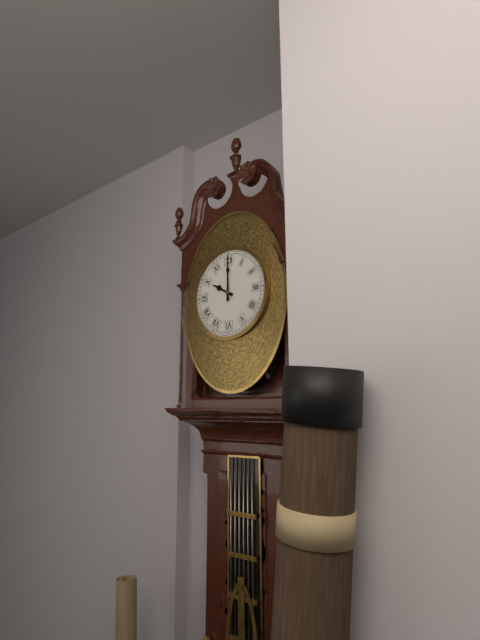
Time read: 10,00
